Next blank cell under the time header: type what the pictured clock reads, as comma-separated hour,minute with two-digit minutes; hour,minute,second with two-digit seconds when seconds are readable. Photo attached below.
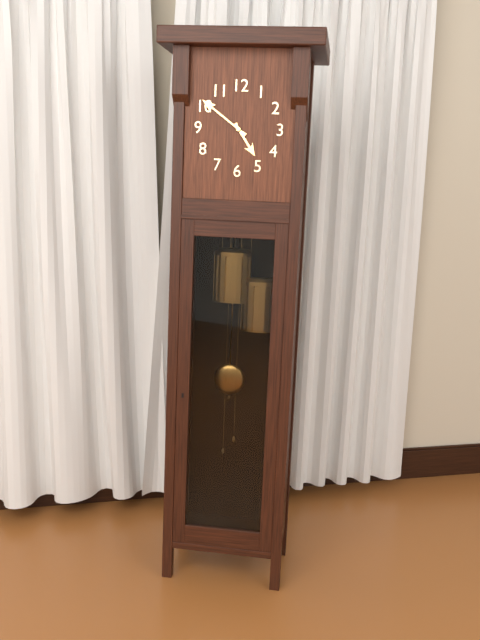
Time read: 4,51
